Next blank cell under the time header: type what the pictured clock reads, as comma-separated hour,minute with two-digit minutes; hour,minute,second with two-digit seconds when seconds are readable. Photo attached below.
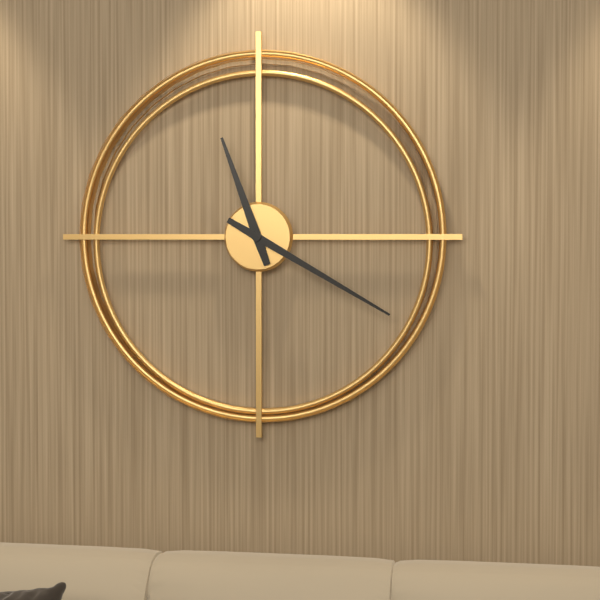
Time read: 11,20
